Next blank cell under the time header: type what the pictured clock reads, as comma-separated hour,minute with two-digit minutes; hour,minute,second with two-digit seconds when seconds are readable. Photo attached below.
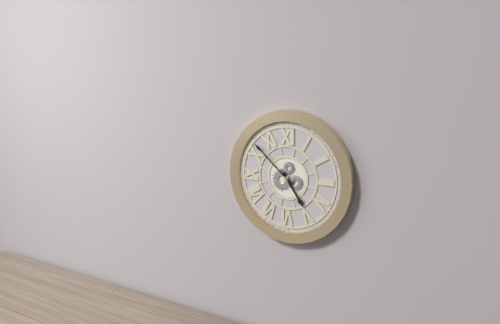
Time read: 4,52
